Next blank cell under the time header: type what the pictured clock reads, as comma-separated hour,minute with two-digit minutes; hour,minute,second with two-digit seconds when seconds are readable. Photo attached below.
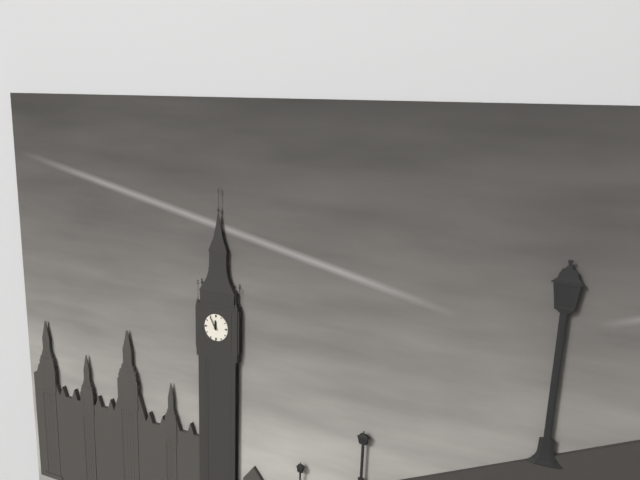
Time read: 11,55
